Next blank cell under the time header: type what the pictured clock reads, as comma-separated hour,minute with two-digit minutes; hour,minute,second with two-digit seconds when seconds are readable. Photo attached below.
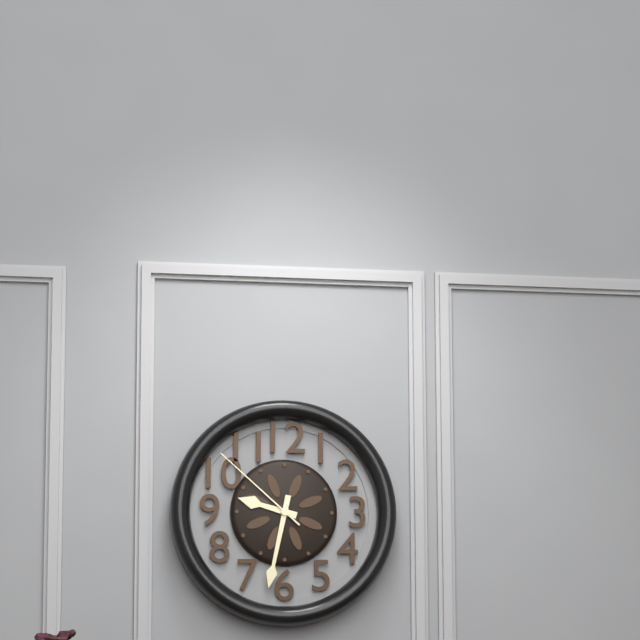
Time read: 9,32,52
